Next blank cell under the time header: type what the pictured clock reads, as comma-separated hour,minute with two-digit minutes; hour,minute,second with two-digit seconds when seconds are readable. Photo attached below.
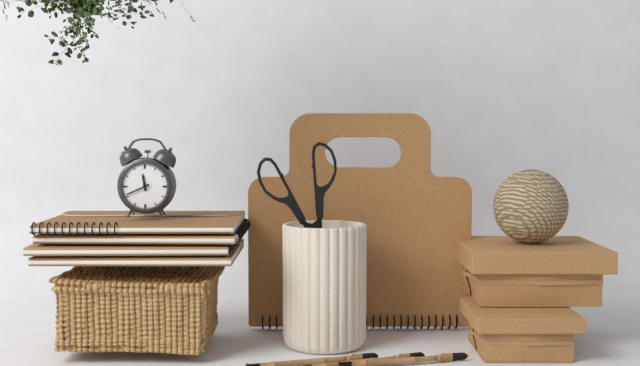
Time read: 11,41
